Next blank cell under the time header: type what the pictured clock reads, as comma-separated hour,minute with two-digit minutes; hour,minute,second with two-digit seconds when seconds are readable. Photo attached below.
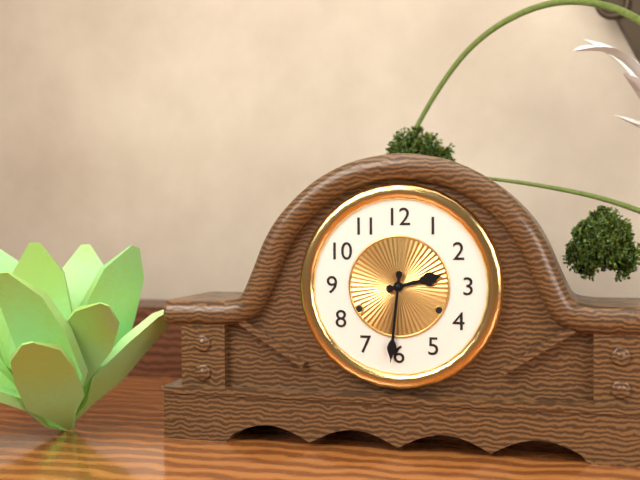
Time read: 2,31
